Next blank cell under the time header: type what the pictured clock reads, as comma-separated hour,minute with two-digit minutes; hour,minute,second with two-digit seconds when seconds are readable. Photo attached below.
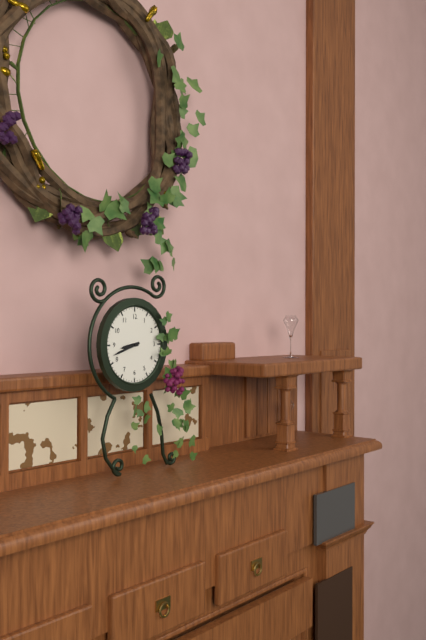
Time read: 8,42
